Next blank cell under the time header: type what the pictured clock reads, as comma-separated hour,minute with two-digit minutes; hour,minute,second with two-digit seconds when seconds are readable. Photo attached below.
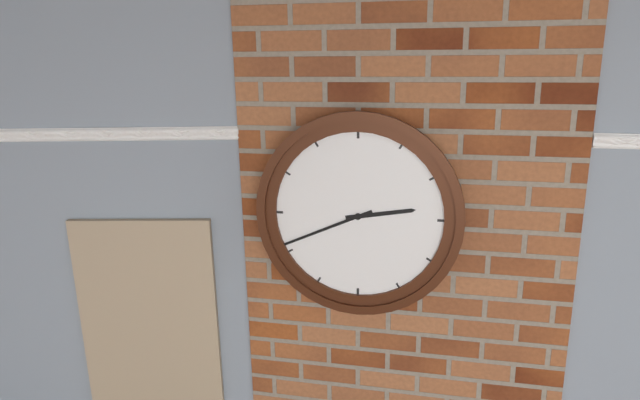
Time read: 2,41
